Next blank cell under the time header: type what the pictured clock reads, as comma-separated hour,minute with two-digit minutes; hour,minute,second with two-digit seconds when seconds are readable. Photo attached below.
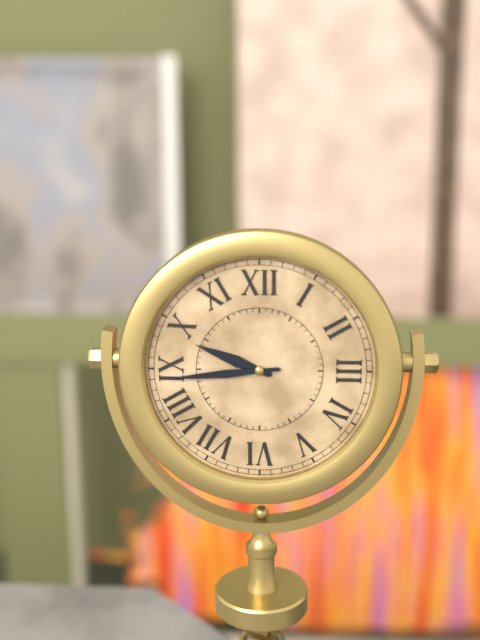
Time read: 9,44
